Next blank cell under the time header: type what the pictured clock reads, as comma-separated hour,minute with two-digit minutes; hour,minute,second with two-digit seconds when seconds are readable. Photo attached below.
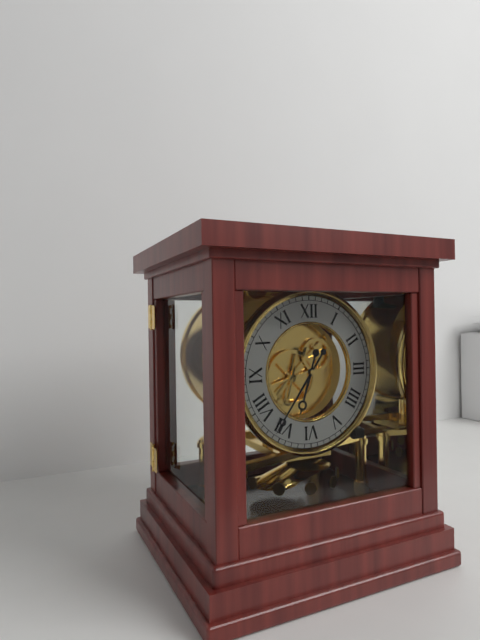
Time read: 6,36
